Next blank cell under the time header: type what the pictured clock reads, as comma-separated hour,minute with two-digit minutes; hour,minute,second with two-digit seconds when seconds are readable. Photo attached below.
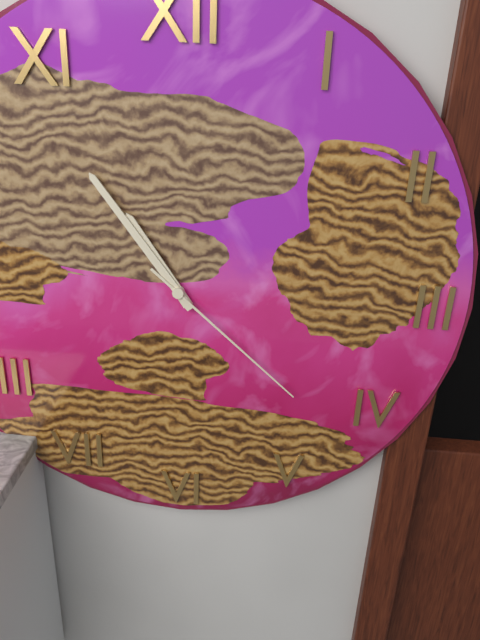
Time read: 10,54,22
